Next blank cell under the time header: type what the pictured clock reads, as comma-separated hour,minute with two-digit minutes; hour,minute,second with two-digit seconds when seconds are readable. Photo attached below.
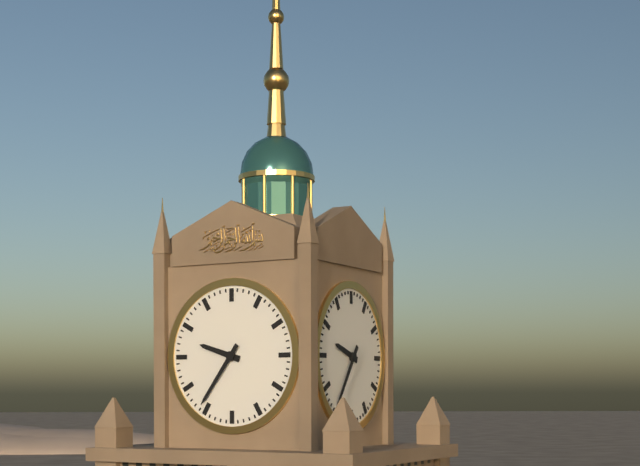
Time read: 9,36
